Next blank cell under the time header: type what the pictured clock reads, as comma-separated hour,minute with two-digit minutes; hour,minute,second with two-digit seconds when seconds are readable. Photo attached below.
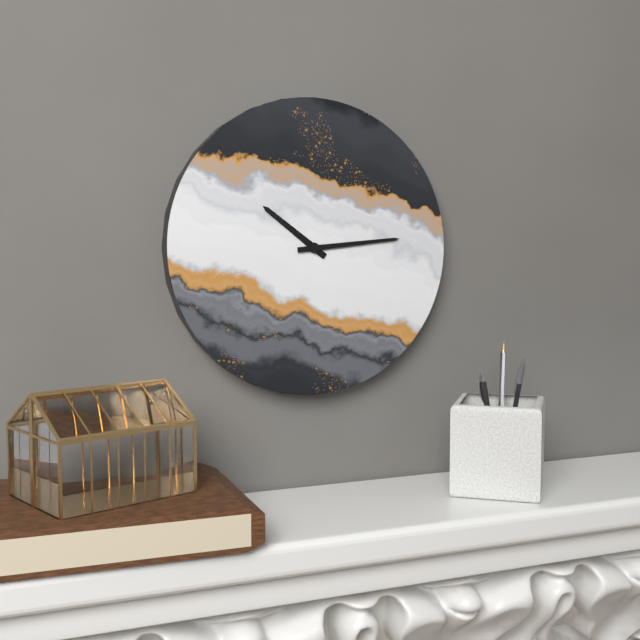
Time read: 10,14
